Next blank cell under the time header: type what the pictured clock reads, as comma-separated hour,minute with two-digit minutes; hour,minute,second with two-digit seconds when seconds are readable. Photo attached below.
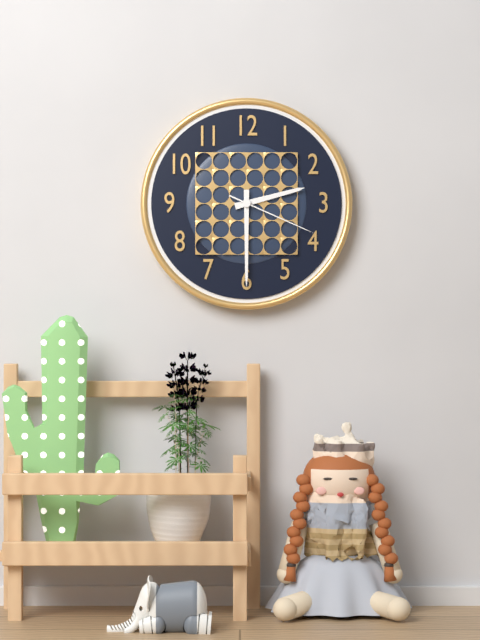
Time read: 2,30,19
